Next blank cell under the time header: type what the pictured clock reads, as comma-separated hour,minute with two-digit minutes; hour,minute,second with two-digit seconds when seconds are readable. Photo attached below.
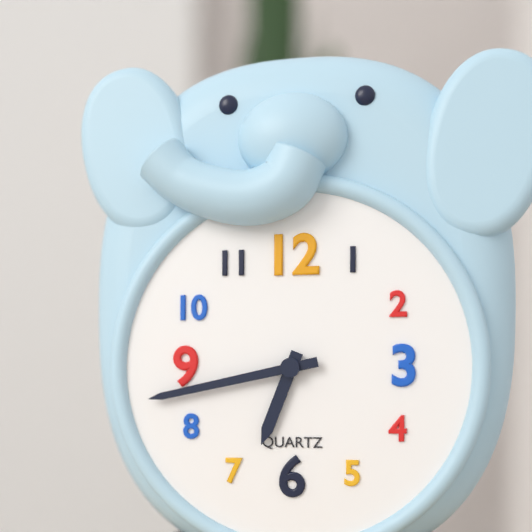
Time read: 6,43
